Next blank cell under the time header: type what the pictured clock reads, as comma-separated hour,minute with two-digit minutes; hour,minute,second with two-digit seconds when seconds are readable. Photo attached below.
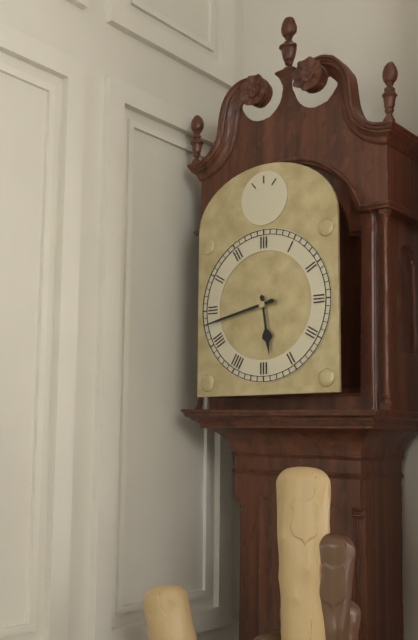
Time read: 5,43
